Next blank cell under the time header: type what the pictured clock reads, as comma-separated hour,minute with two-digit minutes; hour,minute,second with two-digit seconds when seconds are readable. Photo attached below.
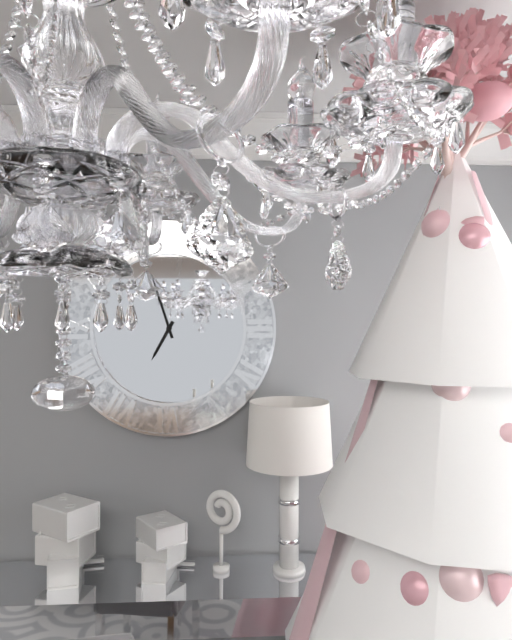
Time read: 6,57
